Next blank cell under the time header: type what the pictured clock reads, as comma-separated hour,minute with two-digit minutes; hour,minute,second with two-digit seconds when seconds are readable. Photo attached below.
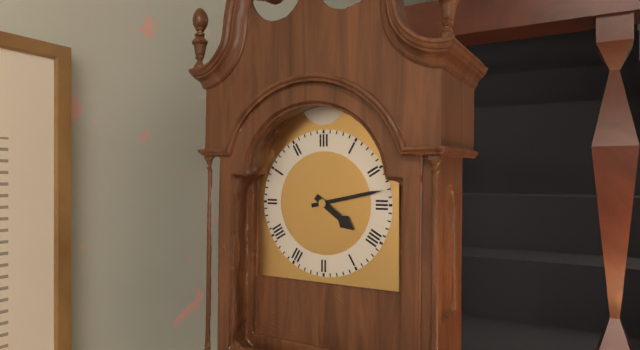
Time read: 4,13
